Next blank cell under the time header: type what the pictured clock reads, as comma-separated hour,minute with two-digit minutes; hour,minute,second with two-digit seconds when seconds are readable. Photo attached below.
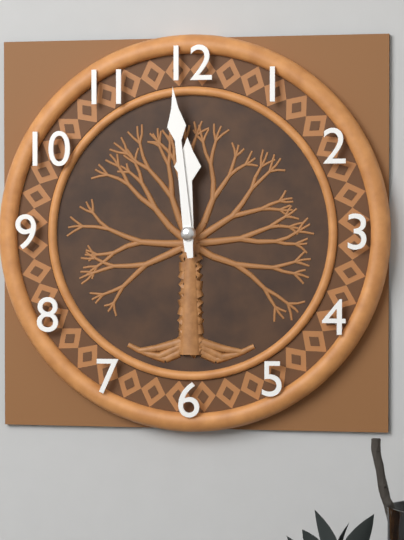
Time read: 11,59
